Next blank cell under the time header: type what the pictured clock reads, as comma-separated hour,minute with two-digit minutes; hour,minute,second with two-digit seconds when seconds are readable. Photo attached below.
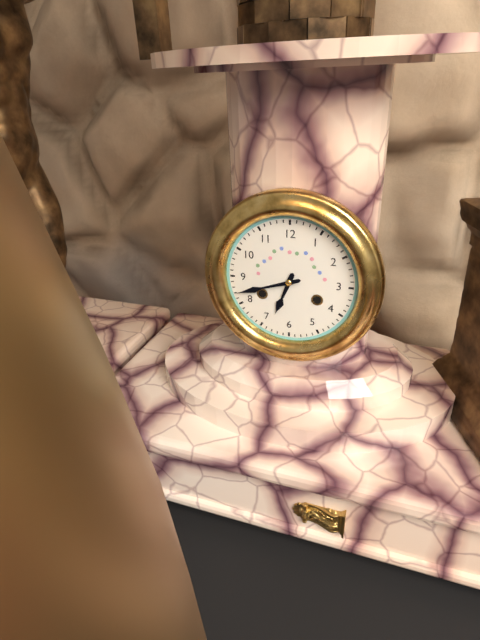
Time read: 6,42
